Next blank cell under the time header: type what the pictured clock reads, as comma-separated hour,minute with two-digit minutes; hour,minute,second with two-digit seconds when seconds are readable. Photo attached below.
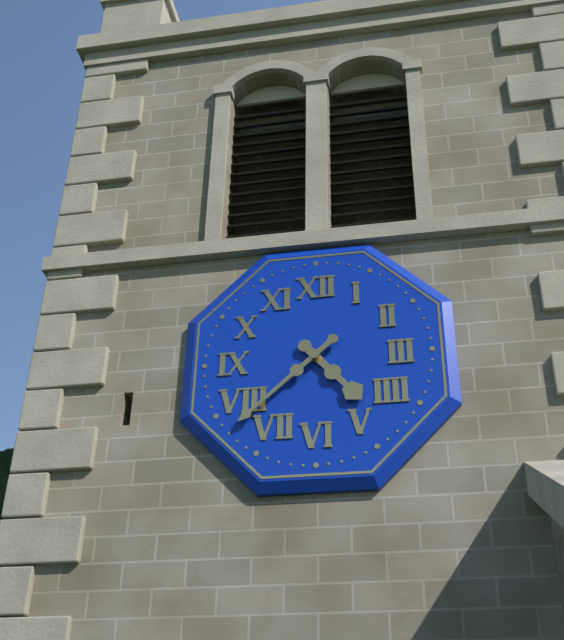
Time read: 4,38
